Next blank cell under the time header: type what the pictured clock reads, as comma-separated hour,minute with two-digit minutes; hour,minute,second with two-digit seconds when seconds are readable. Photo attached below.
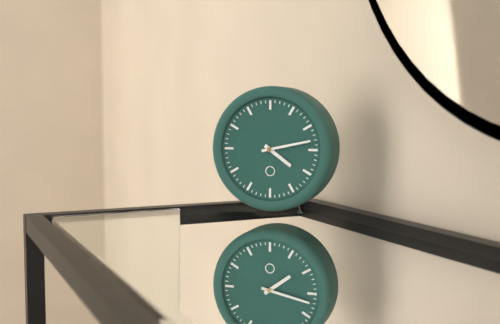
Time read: 4,13
